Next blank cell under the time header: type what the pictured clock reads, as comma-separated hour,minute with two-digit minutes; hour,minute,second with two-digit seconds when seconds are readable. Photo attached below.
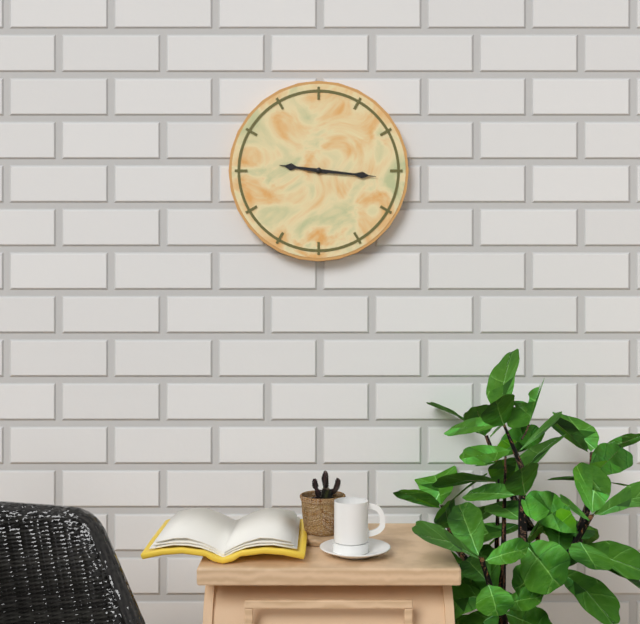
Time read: 9,16
